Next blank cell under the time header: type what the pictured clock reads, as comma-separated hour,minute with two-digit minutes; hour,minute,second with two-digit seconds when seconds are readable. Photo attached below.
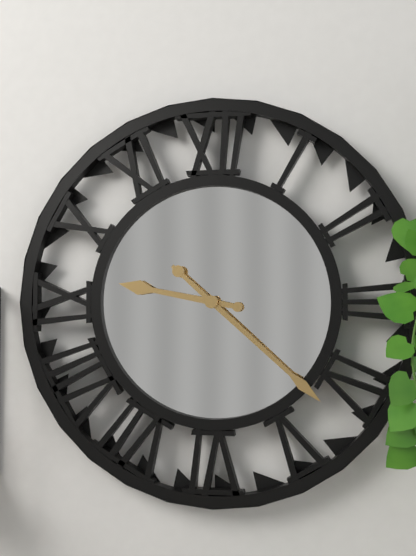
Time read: 9,22
